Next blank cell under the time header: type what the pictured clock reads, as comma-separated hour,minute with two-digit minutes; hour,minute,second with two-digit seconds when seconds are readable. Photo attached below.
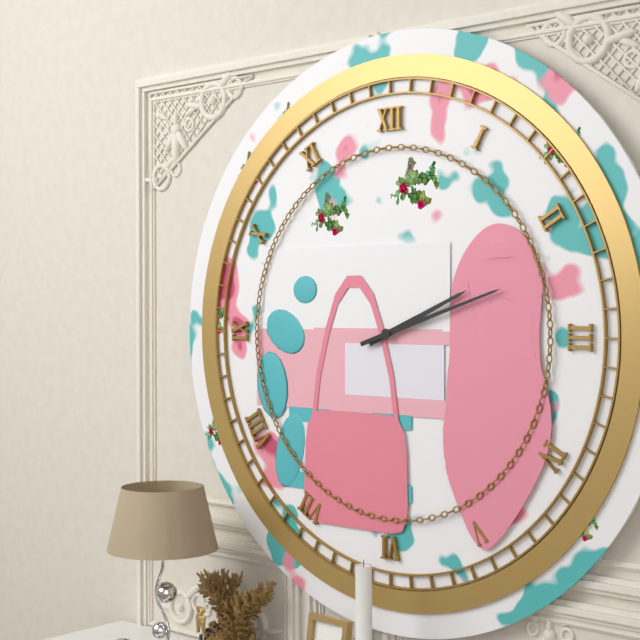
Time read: 2,12
